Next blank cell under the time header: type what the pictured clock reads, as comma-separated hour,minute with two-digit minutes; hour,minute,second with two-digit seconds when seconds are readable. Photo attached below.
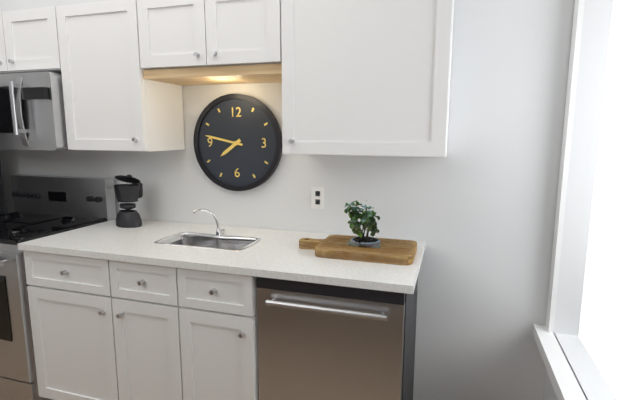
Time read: 7,47
